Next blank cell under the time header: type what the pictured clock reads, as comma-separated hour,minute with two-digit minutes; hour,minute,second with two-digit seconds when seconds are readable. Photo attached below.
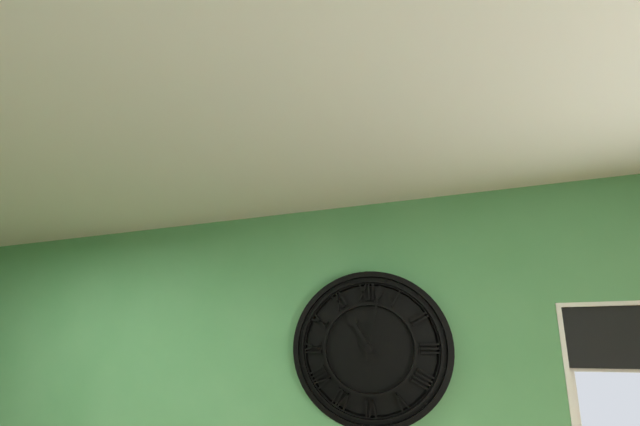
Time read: 11,02
